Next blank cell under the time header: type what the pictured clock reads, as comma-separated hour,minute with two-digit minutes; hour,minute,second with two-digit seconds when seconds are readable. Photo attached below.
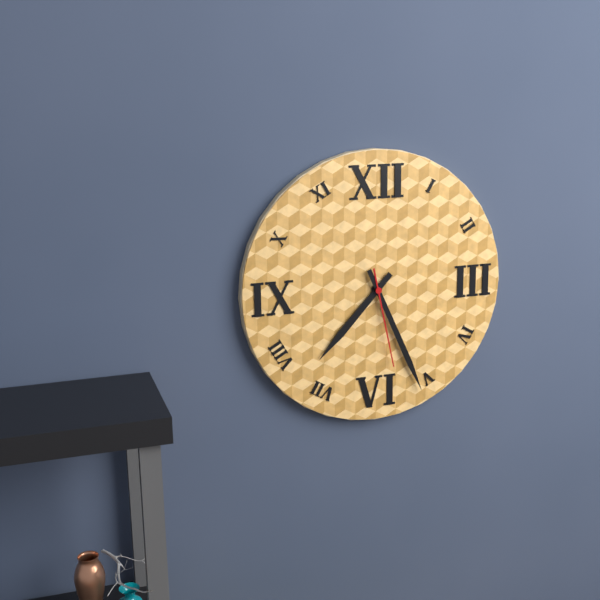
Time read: 7,26,28
